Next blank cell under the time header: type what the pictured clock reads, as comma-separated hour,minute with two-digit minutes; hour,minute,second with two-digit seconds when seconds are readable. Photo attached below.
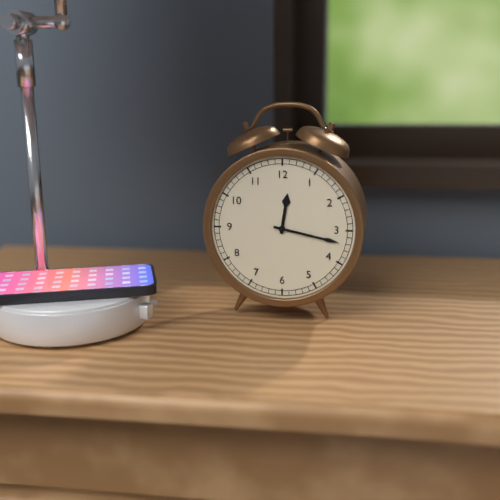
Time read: 12,17
